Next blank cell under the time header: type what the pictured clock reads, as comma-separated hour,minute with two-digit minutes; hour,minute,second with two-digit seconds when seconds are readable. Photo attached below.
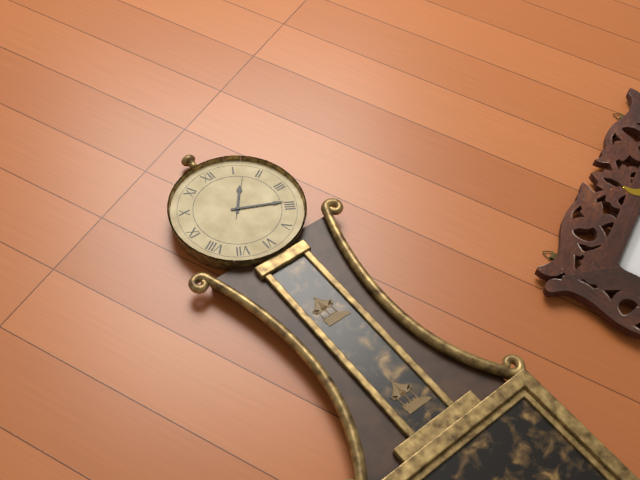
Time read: 1,19
